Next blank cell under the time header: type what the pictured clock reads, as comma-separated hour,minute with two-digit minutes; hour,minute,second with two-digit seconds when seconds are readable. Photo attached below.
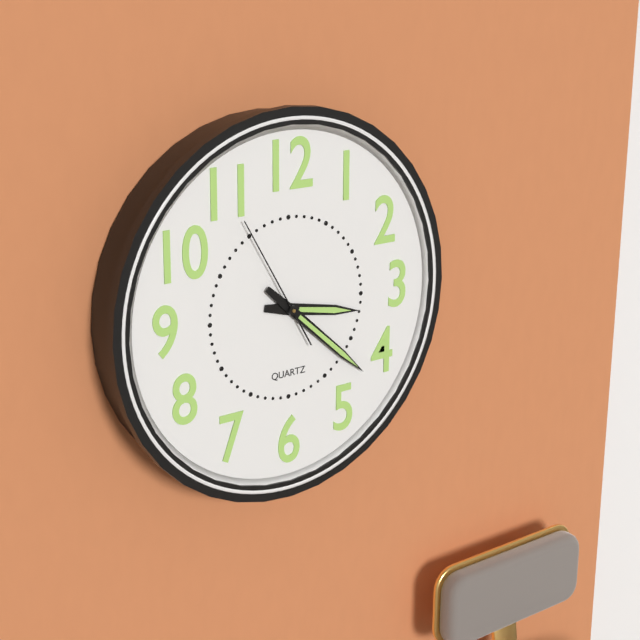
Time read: 3,22,55
